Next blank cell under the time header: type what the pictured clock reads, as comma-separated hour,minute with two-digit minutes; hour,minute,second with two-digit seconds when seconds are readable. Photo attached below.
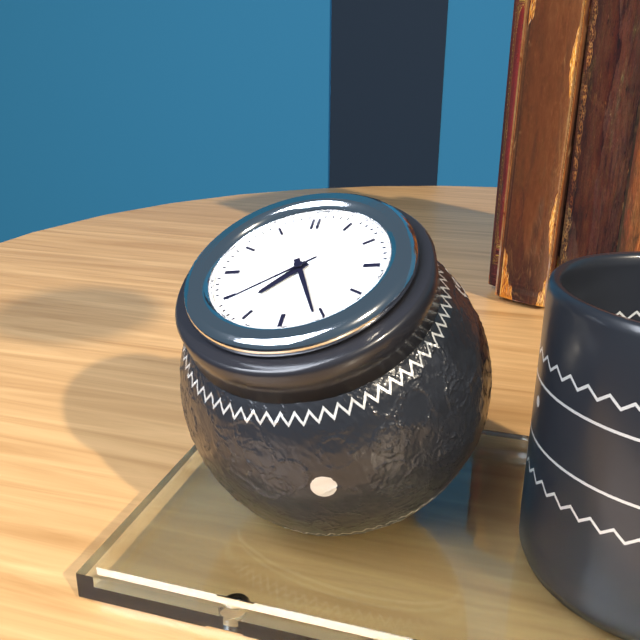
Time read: 7,26,39
